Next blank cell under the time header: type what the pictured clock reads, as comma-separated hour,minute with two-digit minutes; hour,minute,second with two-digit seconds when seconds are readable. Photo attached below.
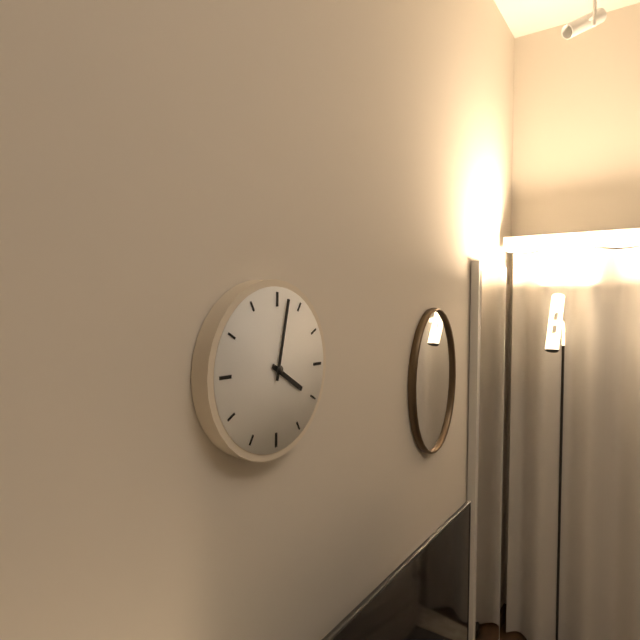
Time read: 4,02
